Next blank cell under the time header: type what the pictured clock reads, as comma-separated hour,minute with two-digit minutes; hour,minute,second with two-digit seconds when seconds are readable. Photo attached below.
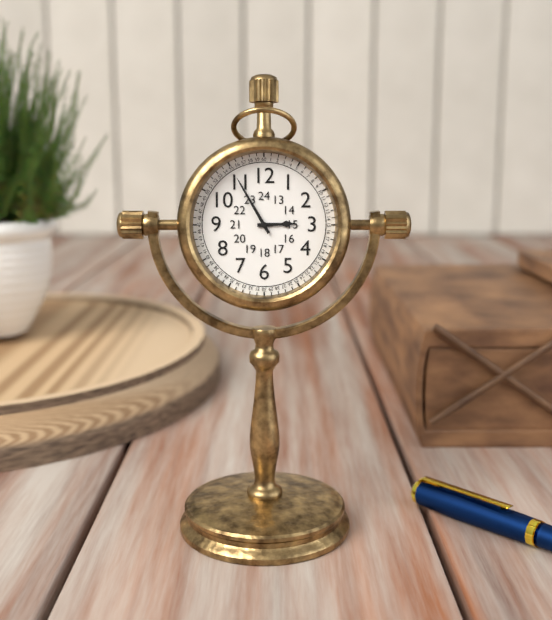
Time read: 2,55
